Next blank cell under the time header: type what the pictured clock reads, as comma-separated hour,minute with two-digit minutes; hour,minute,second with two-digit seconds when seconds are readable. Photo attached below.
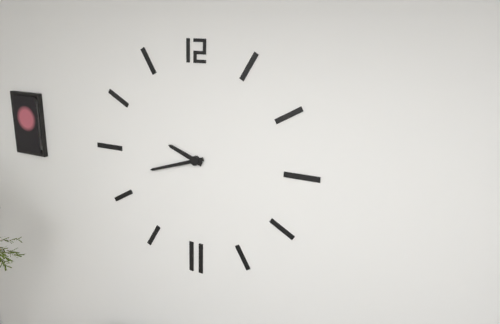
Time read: 9,42
